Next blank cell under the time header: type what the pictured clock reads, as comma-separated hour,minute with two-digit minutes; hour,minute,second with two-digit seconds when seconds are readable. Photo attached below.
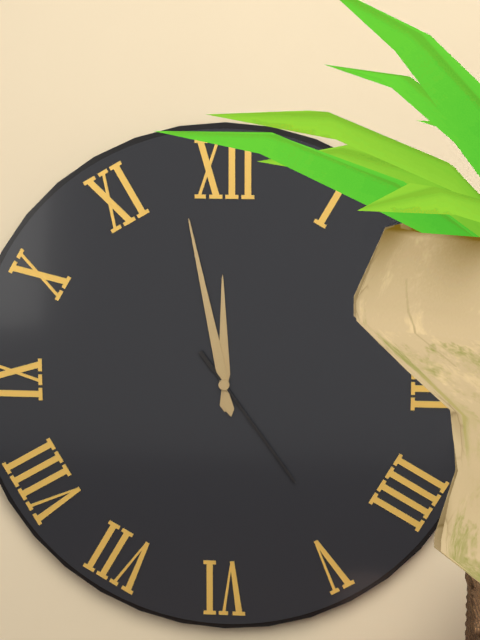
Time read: 11,58,24
